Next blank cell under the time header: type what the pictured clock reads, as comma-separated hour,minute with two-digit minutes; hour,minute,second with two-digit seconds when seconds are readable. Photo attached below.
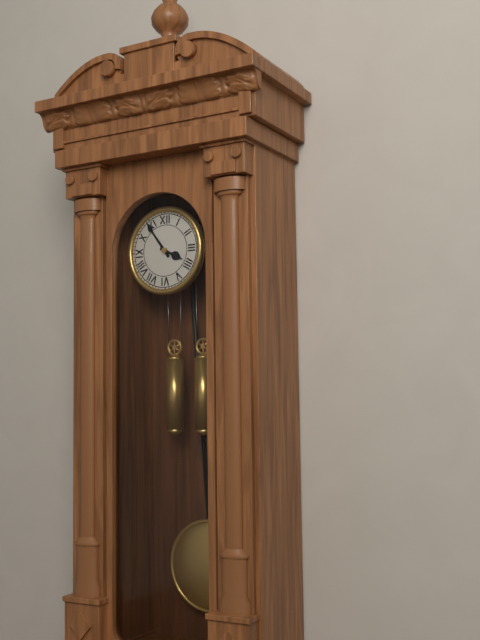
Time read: 3,54
